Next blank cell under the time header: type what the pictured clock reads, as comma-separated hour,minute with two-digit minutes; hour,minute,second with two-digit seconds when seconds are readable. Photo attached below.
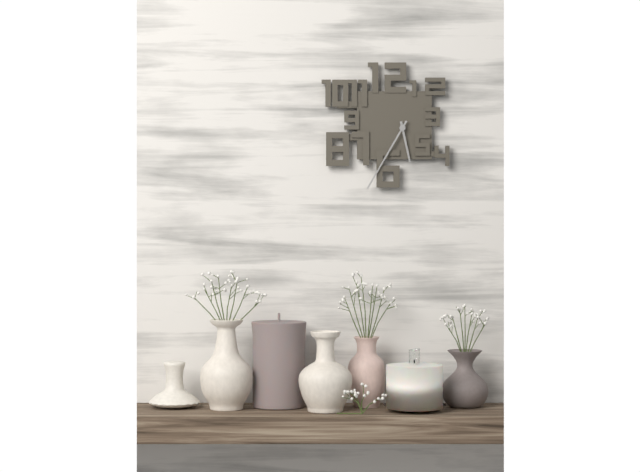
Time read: 5,35
